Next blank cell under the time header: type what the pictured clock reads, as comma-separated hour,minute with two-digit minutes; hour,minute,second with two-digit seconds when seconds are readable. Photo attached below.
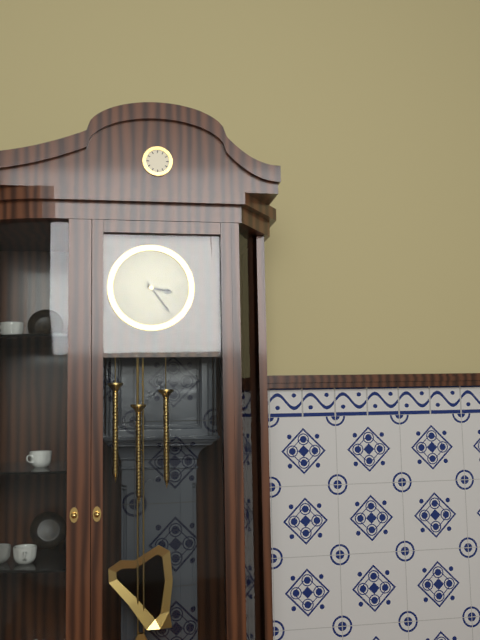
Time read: 3,24
